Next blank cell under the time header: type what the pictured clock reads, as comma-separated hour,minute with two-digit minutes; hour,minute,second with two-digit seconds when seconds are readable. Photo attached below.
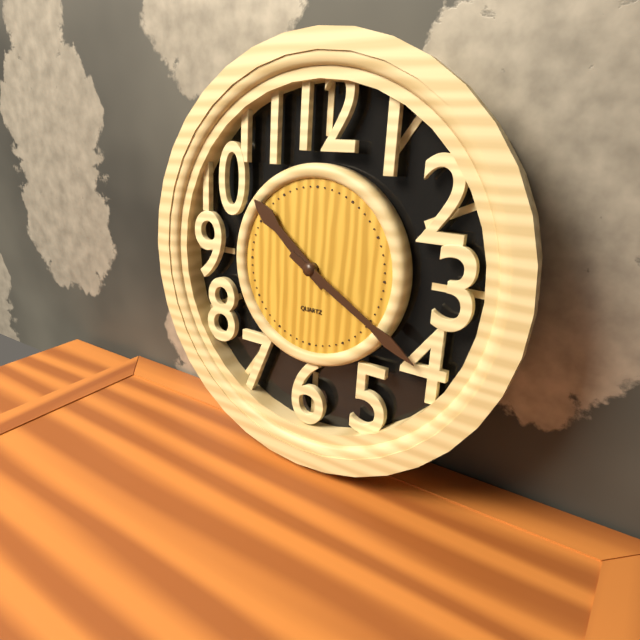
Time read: 10,20
